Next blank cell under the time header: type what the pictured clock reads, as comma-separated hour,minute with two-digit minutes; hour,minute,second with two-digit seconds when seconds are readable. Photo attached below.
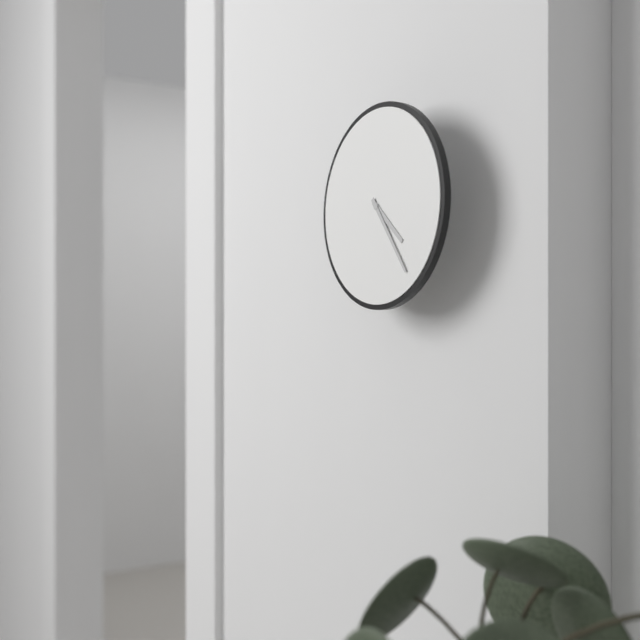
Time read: 4,24
